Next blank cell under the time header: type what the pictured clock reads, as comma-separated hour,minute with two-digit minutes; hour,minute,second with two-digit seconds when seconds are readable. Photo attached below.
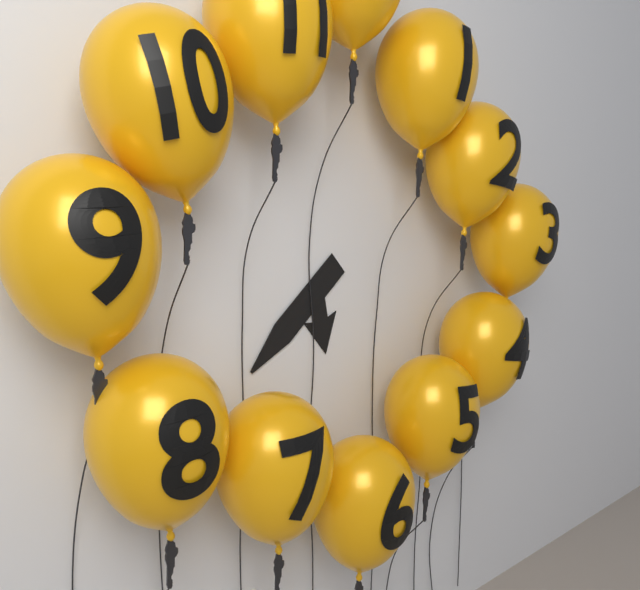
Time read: 5,38
